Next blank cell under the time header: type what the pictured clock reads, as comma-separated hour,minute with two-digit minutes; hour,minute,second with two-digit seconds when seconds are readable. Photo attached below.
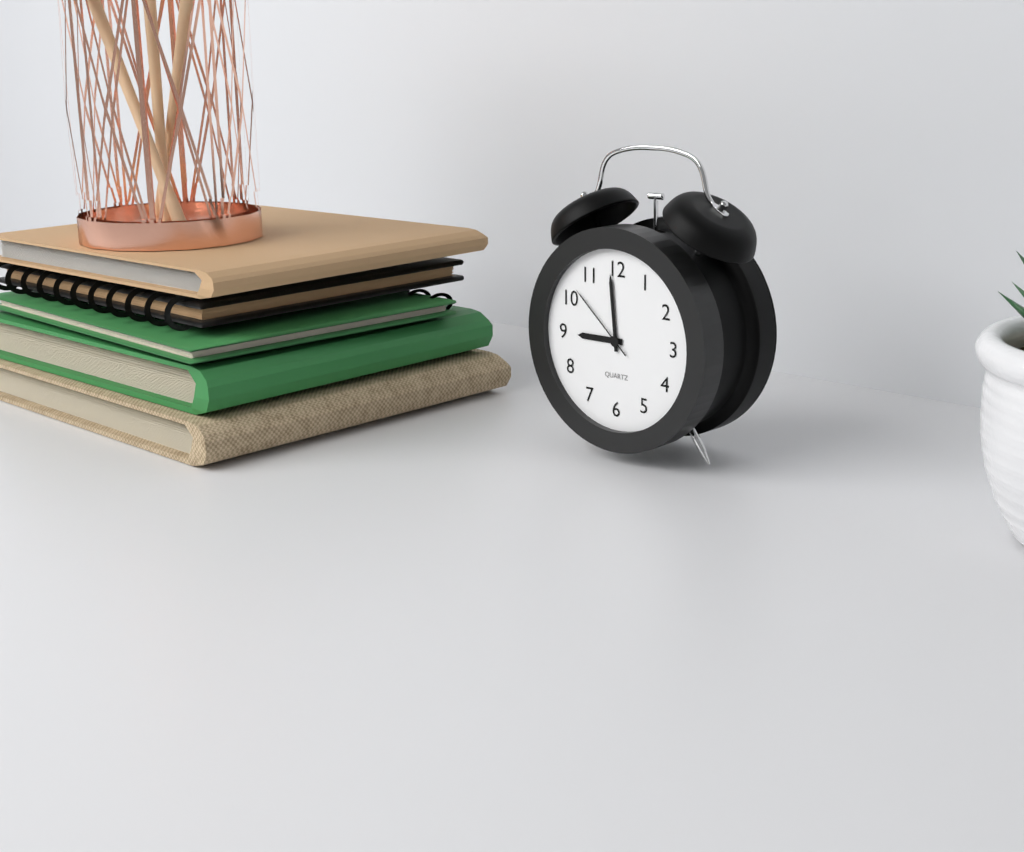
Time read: 8,59,52
